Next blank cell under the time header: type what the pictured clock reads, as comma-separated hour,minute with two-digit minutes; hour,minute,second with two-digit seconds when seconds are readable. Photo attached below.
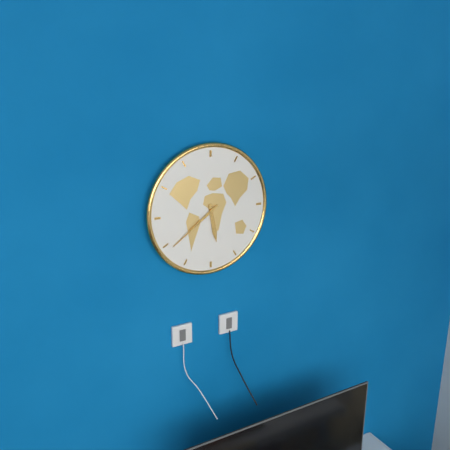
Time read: 5,39
